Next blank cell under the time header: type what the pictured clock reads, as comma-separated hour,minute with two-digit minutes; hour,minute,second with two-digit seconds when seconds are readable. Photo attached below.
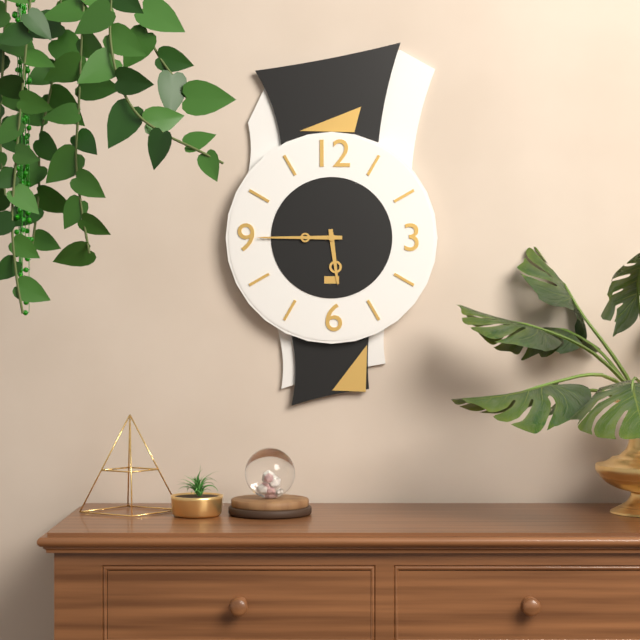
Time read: 5,45
